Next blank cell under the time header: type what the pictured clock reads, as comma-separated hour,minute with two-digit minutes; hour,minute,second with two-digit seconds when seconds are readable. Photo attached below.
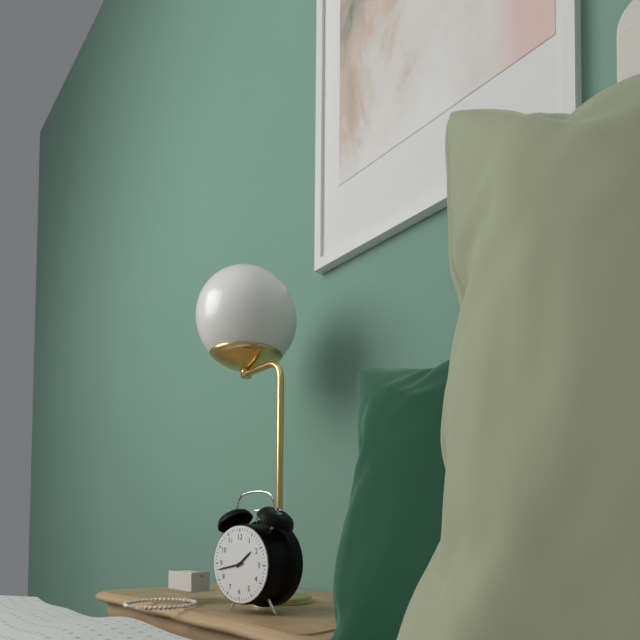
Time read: 1,43
